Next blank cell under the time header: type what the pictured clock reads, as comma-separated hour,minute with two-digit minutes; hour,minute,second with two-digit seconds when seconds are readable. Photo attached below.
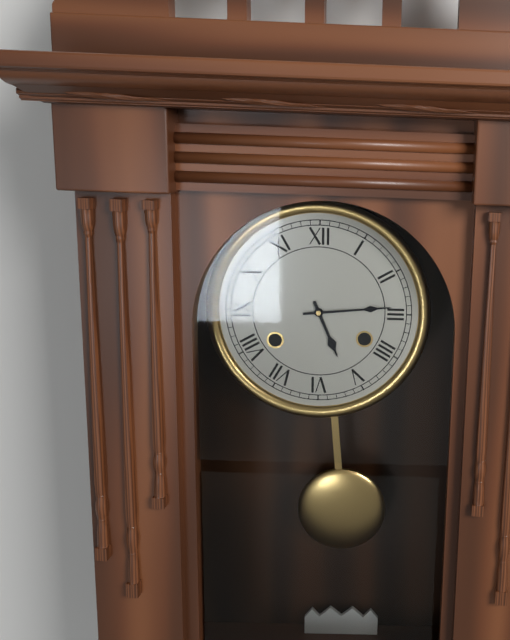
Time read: 5,14
